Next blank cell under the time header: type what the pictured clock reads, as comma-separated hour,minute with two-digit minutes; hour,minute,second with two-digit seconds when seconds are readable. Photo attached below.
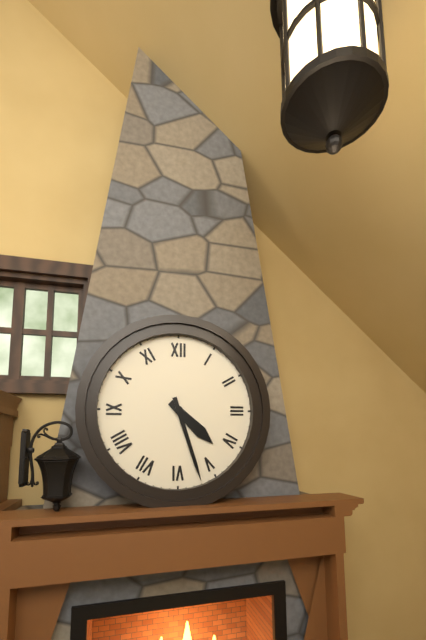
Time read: 4,27
